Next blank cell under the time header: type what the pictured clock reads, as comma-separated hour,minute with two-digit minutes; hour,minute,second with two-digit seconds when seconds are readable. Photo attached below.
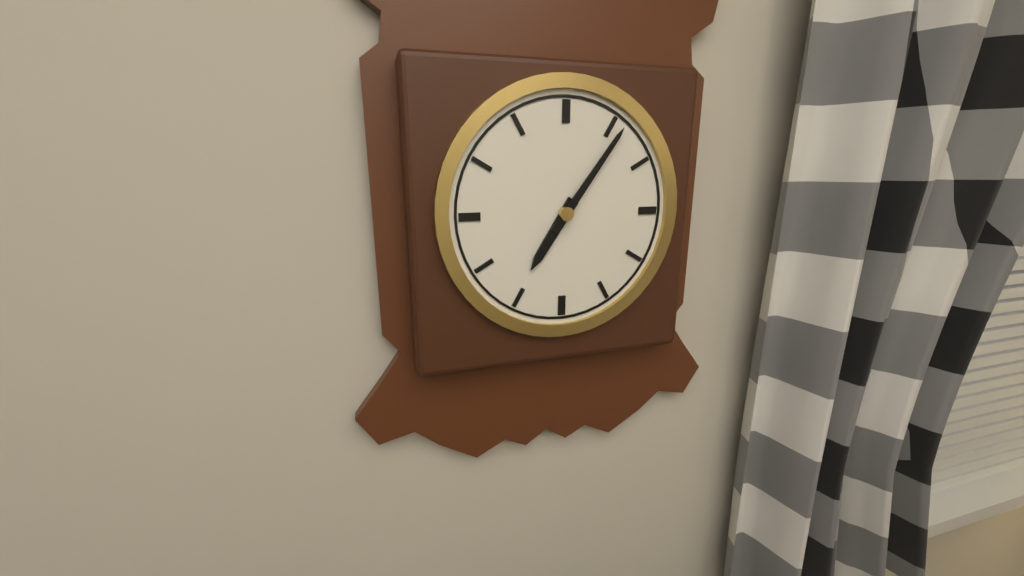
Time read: 7,06
